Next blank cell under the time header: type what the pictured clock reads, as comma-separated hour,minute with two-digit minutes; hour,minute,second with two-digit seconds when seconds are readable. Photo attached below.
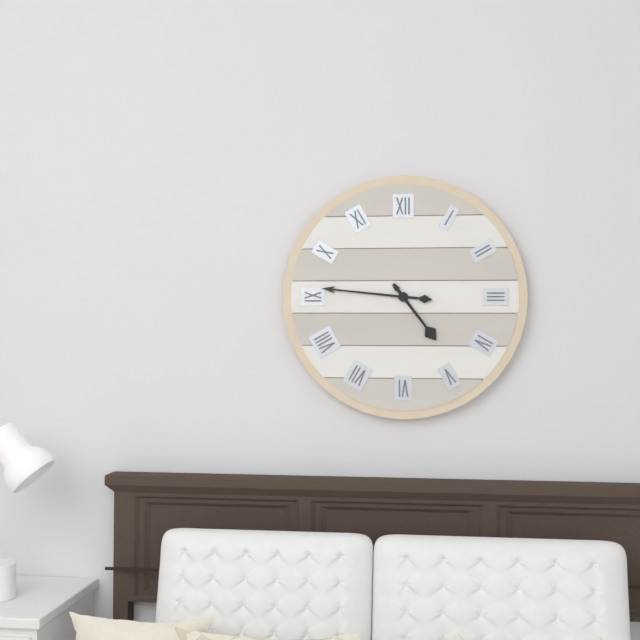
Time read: 4,46
